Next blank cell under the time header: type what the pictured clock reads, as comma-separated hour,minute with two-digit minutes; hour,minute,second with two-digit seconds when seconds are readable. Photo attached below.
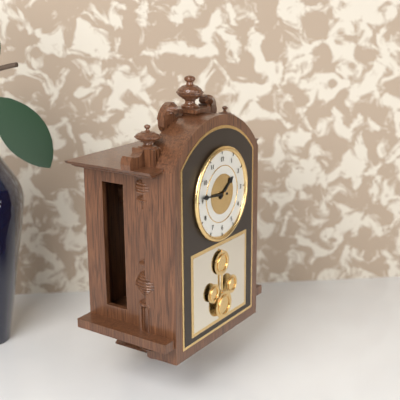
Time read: 1,46
